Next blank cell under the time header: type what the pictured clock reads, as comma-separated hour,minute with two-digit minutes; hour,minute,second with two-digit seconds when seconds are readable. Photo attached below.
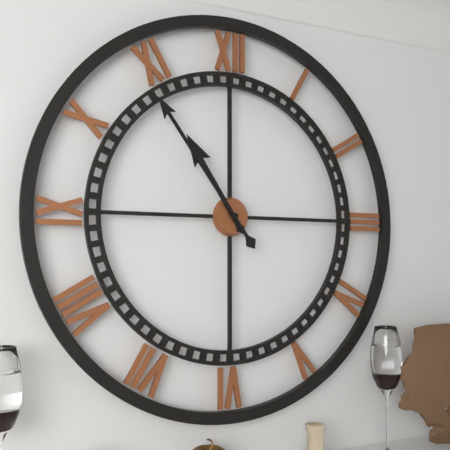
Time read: 10,54
